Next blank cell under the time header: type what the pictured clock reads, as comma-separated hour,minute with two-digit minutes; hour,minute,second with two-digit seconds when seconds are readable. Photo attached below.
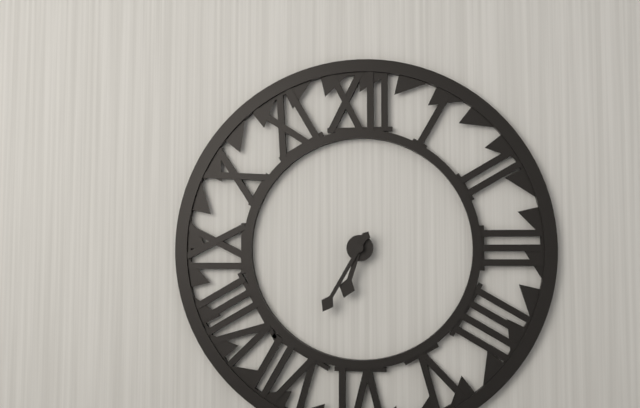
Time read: 6,35
